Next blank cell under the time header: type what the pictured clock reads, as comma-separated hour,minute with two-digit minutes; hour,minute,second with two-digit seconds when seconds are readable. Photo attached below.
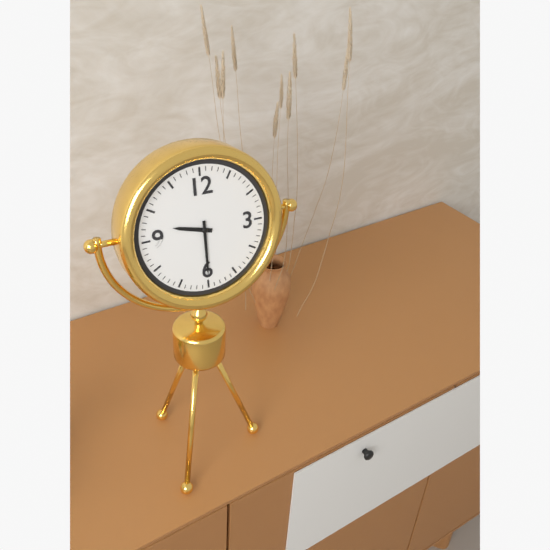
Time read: 9,30
